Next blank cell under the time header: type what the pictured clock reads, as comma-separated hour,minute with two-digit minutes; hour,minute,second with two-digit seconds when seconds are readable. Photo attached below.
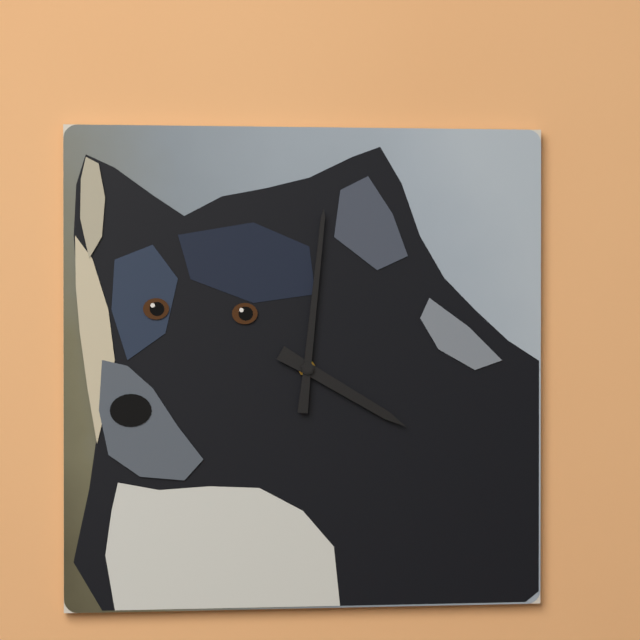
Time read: 4,01
